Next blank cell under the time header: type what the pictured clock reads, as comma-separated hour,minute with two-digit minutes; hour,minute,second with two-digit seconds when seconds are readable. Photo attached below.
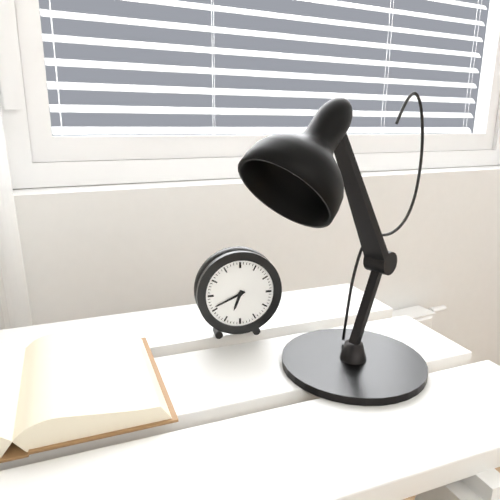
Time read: 6,41
